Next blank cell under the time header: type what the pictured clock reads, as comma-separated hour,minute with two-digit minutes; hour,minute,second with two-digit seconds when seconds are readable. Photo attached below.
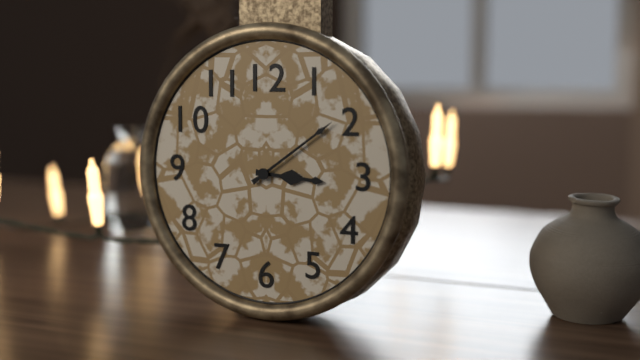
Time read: 3,09
